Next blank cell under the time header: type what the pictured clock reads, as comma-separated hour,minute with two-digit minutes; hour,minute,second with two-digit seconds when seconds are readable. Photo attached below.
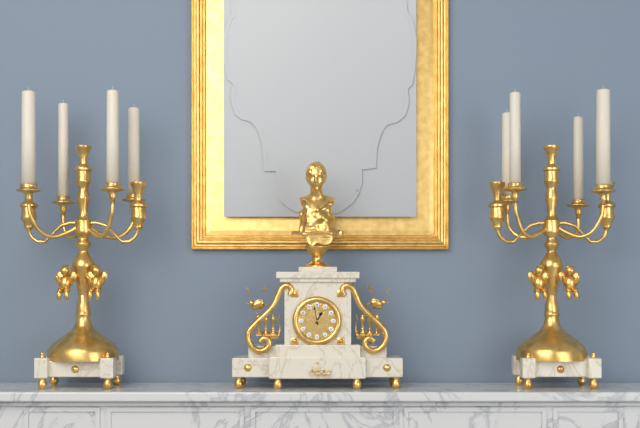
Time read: 12,58
